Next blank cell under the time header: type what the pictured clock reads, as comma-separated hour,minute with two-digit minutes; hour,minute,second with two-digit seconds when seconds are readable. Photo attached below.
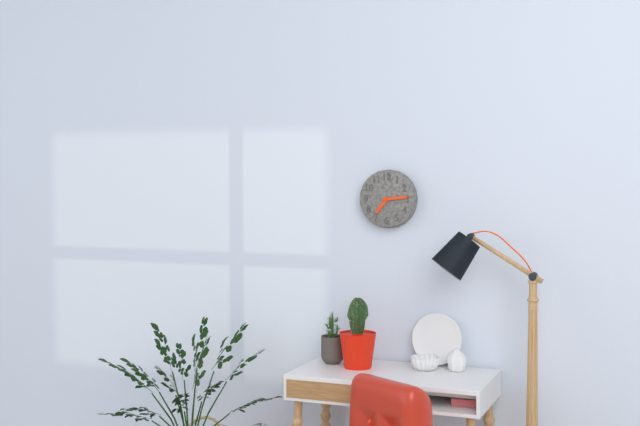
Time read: 7,14
